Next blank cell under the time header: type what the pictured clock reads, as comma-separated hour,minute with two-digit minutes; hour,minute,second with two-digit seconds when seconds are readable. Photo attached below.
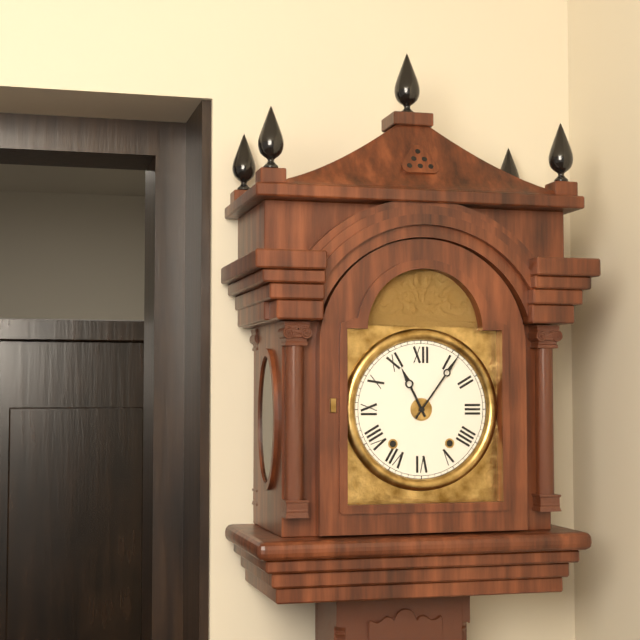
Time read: 11,06
